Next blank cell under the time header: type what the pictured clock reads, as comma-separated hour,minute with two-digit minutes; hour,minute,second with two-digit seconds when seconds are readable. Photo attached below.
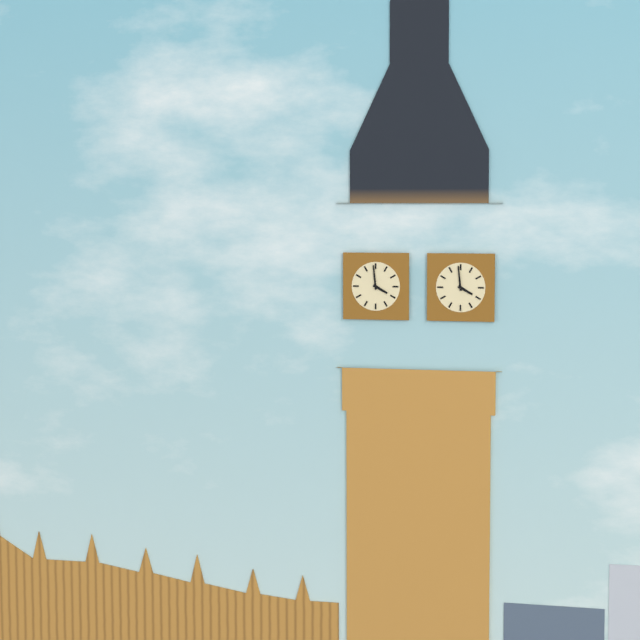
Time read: 3,59
